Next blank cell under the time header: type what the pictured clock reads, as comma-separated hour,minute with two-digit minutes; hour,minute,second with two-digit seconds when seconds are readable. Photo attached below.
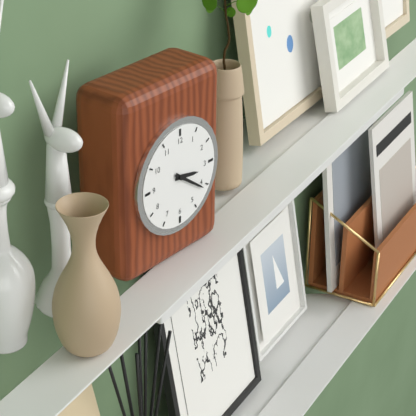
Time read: 3,21
